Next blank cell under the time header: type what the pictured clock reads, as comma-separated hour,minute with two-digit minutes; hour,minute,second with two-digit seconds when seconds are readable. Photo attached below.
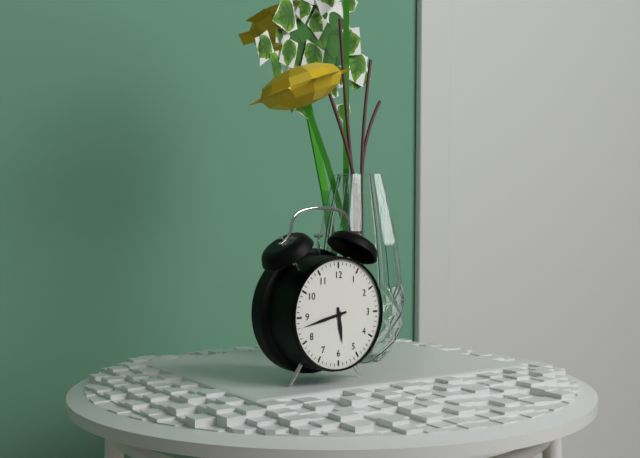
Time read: 5,43
